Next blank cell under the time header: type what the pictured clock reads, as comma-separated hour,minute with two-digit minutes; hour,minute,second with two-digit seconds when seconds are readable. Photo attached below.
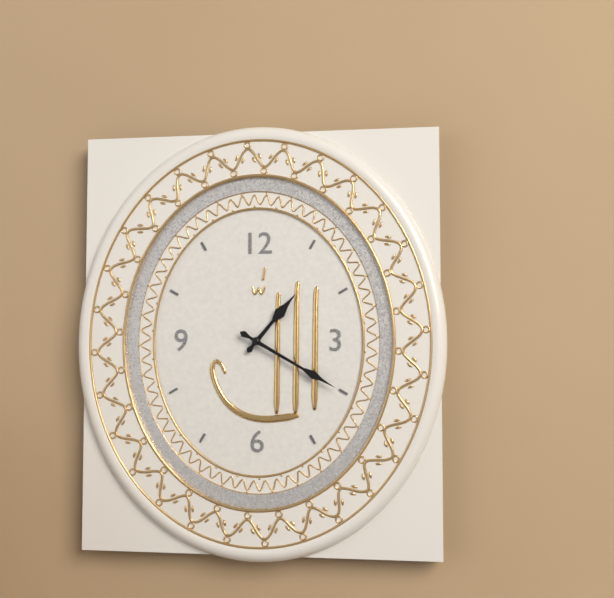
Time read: 1,20
